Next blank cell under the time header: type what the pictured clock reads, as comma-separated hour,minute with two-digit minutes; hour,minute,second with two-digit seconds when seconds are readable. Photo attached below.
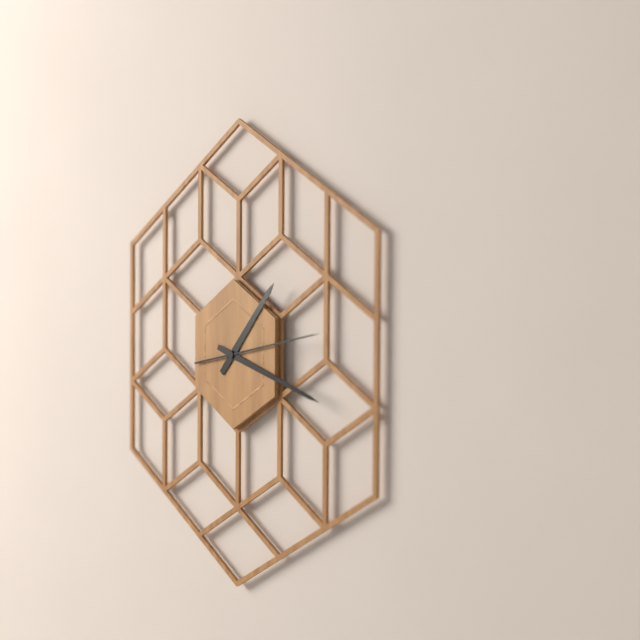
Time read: 1,18,13
